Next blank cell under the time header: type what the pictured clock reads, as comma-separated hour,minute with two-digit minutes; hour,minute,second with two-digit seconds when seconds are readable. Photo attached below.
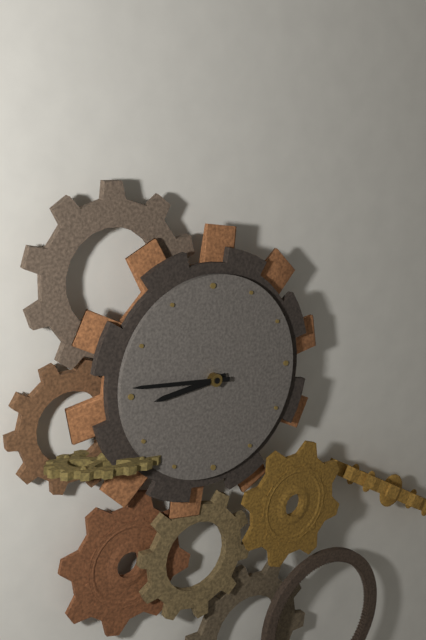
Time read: 8,46
